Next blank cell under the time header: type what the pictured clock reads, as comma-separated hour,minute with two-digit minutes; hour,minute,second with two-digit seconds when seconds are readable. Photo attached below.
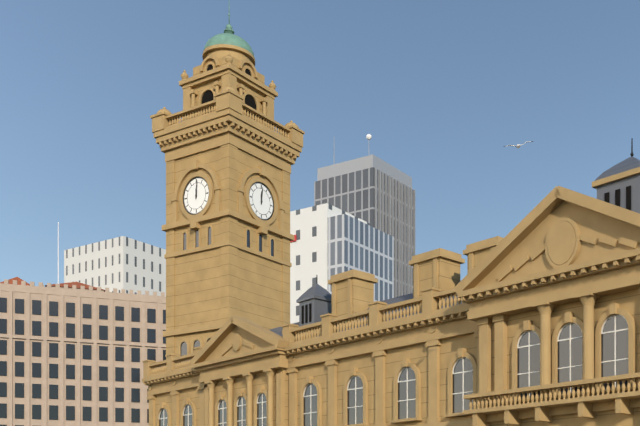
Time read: 12,01
